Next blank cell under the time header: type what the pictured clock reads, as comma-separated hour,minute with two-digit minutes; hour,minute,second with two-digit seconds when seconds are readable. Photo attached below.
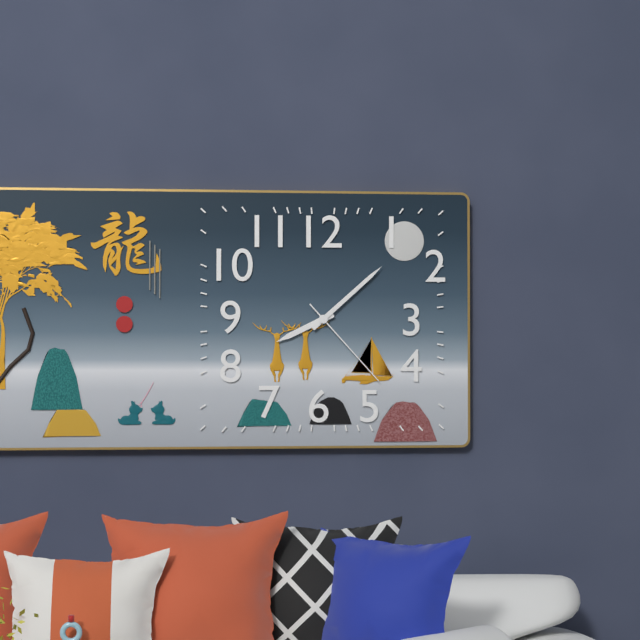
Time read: 8,08,23
